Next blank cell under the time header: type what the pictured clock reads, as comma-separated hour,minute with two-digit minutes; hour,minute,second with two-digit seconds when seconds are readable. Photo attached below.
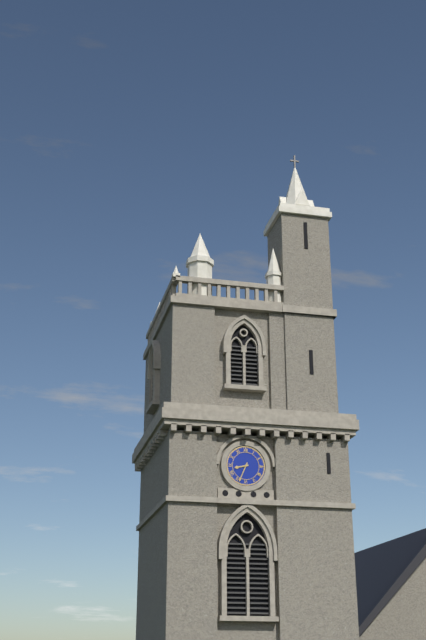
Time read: 8,34
